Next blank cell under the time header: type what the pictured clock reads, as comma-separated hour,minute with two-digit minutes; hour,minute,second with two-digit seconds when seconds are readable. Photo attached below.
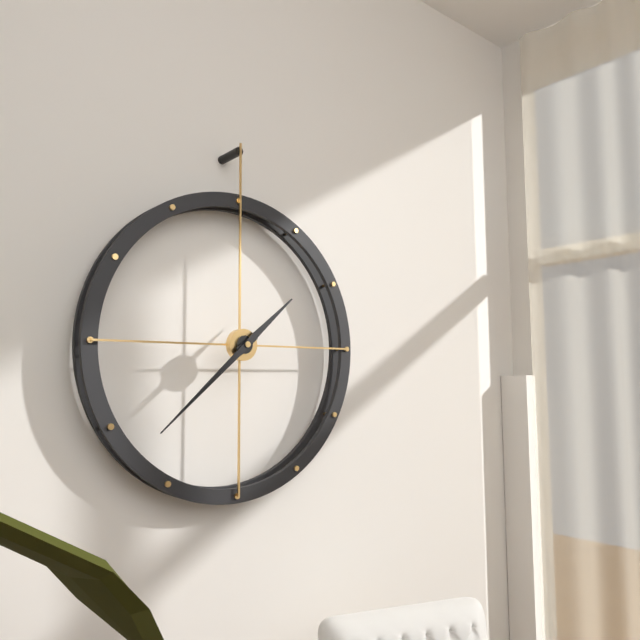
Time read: 1,38
